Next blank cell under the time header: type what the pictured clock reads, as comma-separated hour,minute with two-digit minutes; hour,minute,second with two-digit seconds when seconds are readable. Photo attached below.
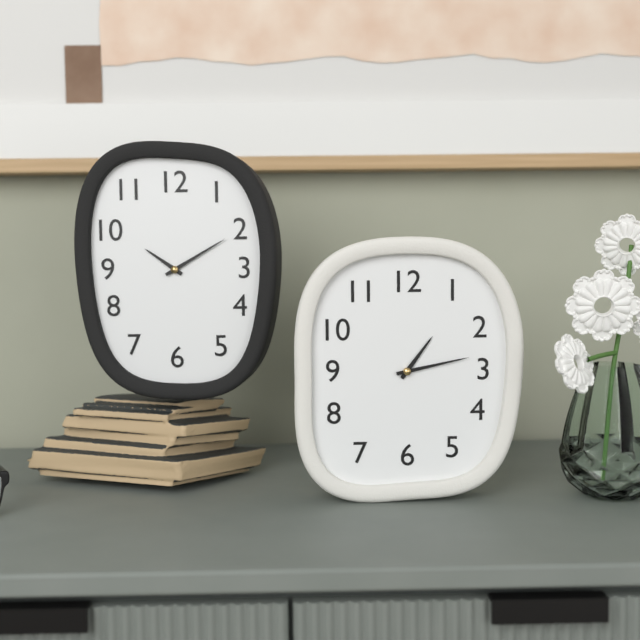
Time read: 1,13
